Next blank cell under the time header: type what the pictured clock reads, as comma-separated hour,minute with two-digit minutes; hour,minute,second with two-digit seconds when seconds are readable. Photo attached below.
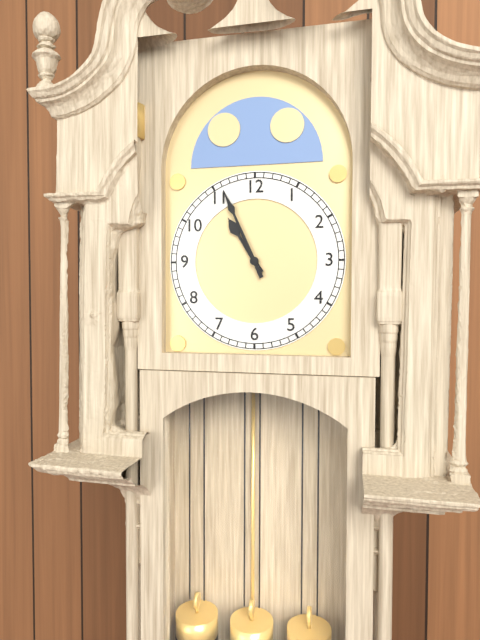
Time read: 10,56
